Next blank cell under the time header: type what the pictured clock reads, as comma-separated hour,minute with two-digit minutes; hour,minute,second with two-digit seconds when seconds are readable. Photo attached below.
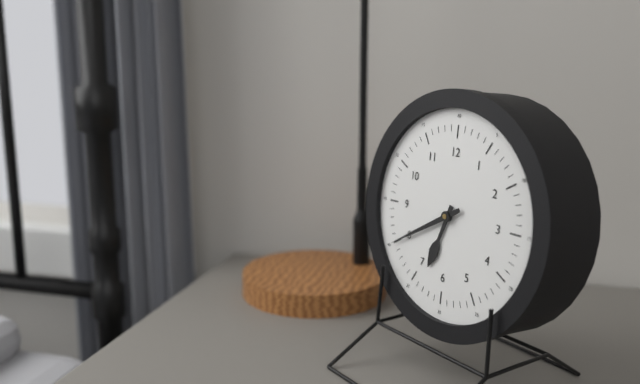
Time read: 6,40
